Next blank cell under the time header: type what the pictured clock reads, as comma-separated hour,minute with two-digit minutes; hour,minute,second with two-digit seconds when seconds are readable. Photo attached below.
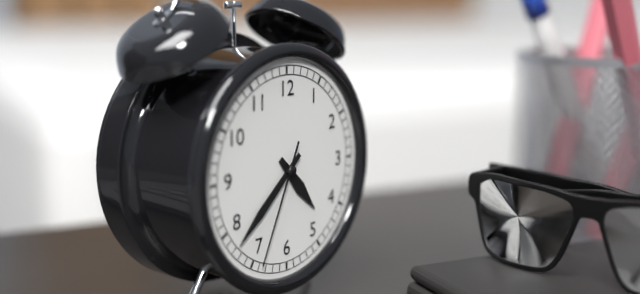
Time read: 4,38,34
